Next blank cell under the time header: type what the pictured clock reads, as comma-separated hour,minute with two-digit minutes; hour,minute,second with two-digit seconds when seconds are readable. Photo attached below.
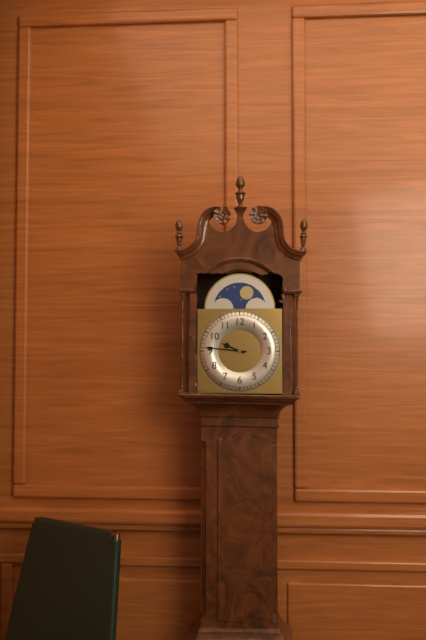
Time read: 9,46
